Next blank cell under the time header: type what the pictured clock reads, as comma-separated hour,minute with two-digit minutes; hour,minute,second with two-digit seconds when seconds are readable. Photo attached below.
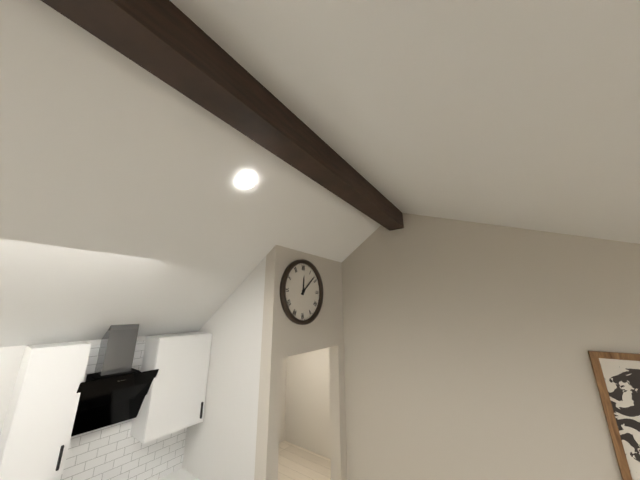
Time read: 12,08
